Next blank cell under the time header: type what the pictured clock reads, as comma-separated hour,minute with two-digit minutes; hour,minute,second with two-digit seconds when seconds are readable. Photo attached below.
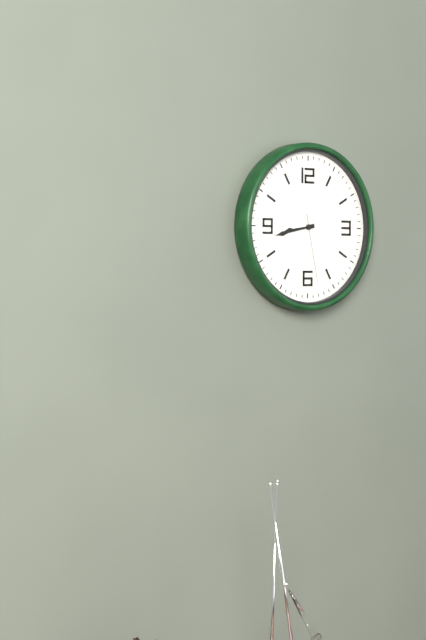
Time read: 8,43,28
